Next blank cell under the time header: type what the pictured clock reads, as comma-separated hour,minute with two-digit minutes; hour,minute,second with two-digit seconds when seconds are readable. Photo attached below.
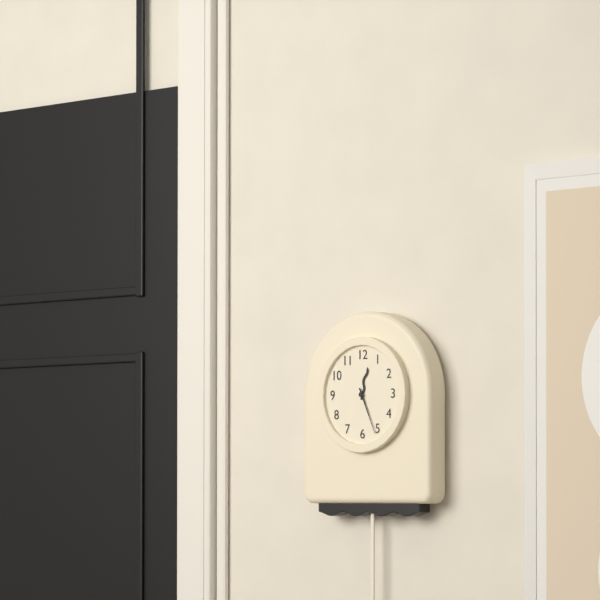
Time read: 12,26
